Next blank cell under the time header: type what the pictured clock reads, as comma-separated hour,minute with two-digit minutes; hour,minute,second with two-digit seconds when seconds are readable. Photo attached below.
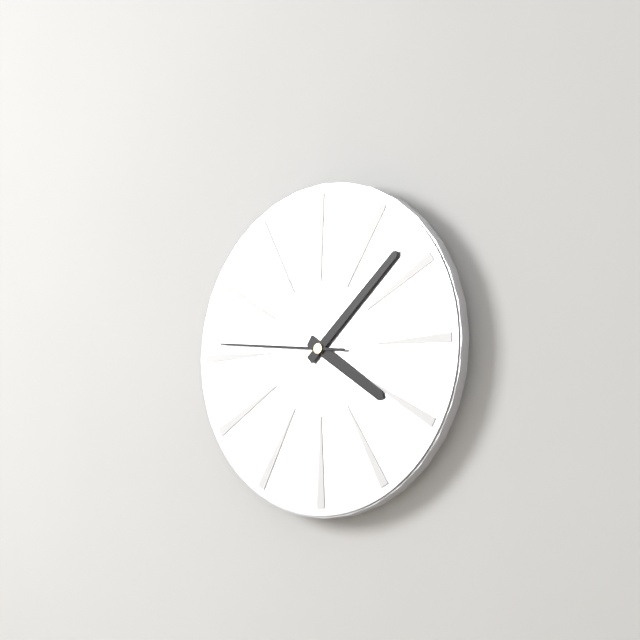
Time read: 4,08,46
